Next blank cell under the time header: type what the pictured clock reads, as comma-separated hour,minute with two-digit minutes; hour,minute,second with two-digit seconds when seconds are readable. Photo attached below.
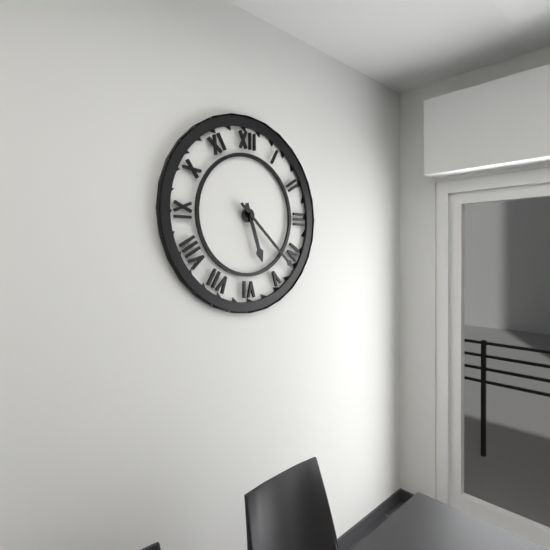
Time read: 5,22
